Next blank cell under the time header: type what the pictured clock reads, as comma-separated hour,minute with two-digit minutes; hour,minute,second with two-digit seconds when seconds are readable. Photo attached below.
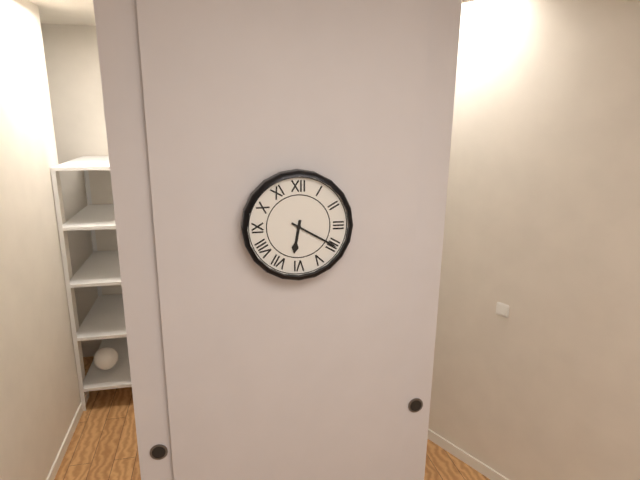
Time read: 6,20
